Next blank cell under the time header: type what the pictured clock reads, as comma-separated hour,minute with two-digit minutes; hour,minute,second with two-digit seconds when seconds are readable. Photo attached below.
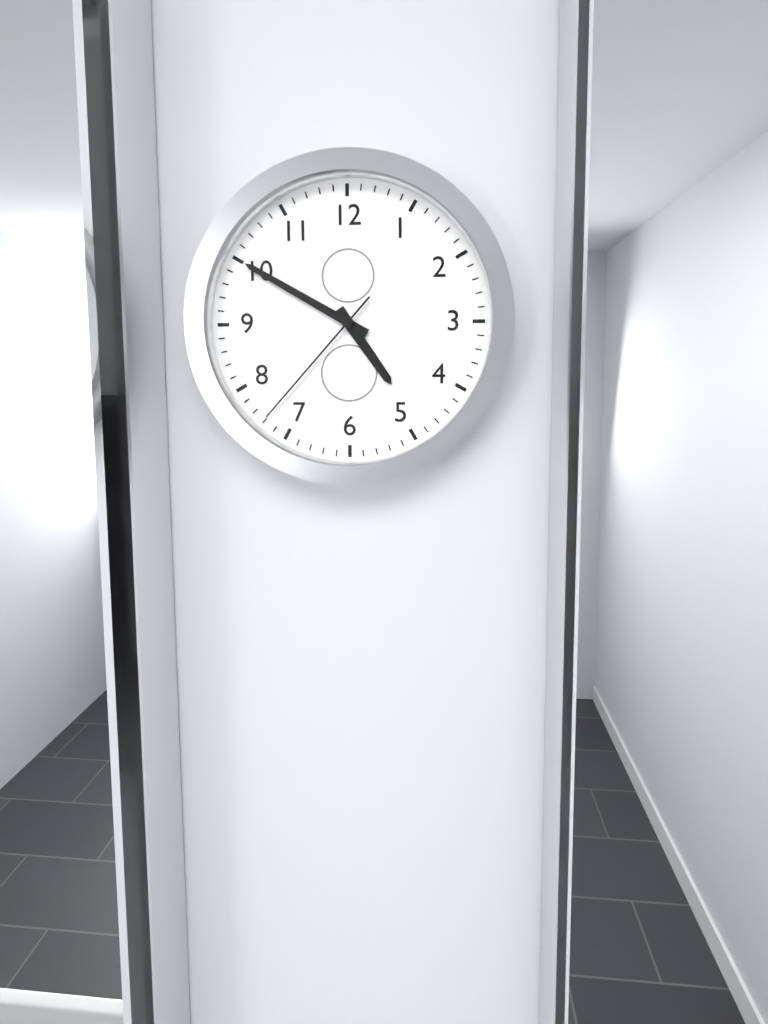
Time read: 4,50,37
